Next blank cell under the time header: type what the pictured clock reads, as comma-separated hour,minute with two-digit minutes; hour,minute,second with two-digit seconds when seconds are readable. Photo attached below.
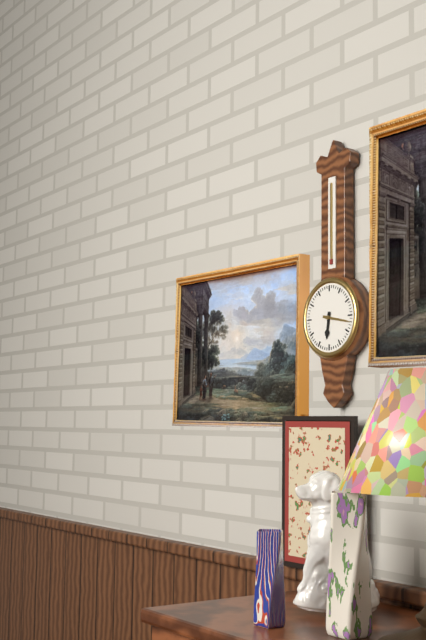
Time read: 6,17
